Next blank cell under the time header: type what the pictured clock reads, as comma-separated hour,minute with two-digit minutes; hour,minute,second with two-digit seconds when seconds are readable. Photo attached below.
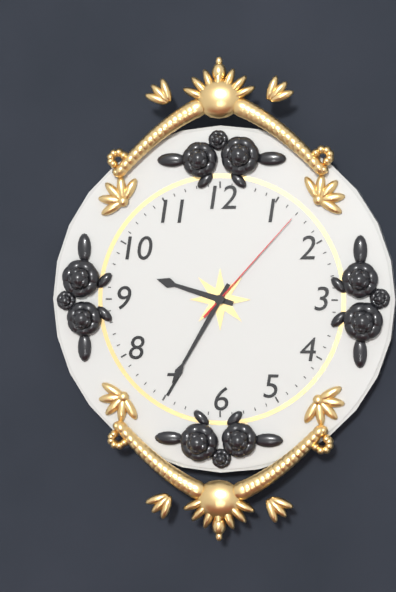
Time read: 9,35,07
